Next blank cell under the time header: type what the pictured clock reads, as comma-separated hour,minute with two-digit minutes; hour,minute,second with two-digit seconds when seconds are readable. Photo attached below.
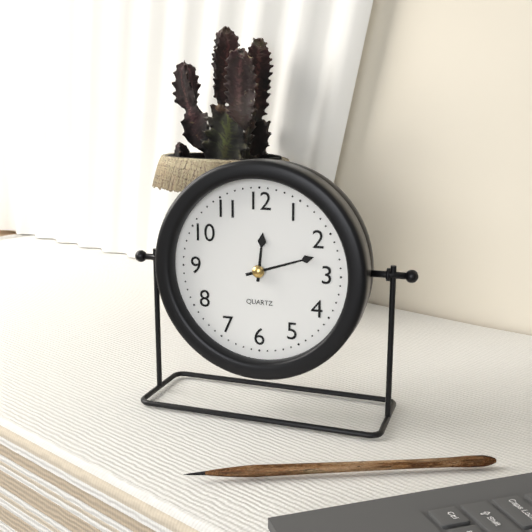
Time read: 12,12
